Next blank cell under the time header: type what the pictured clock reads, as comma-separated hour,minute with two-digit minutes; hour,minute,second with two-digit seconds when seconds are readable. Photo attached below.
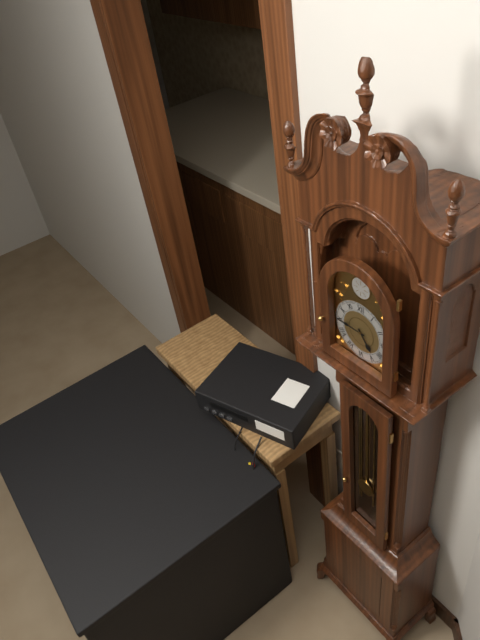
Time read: 4,45
